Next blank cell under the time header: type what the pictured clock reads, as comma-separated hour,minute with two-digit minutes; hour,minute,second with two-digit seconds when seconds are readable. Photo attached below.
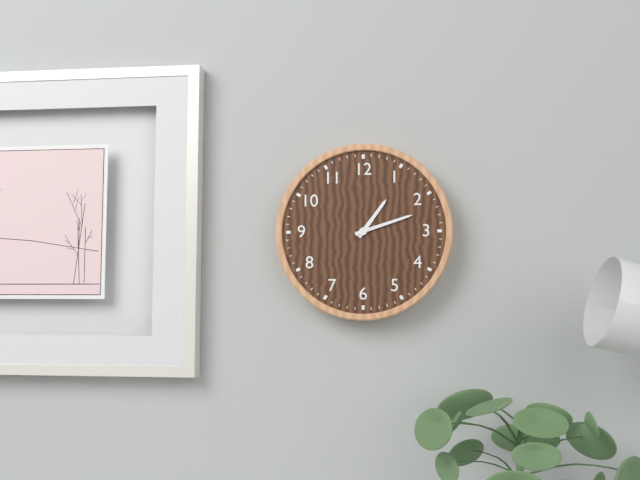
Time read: 1,12
